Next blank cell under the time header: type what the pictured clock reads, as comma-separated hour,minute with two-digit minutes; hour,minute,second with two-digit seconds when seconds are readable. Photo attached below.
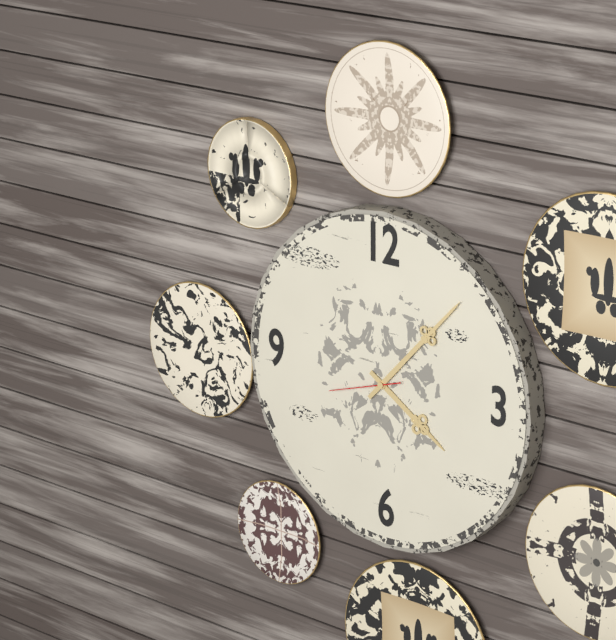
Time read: 4,07,42
